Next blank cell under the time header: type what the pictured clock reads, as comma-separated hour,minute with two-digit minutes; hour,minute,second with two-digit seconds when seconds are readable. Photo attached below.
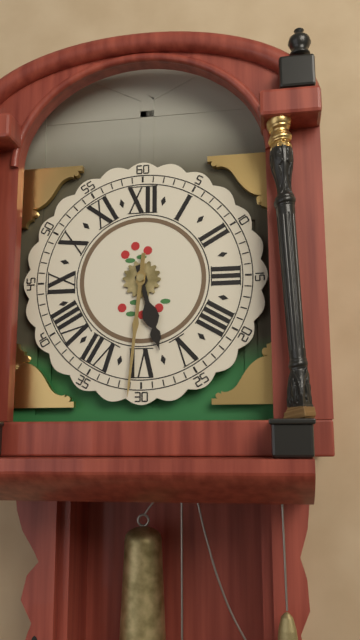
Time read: 5,31
